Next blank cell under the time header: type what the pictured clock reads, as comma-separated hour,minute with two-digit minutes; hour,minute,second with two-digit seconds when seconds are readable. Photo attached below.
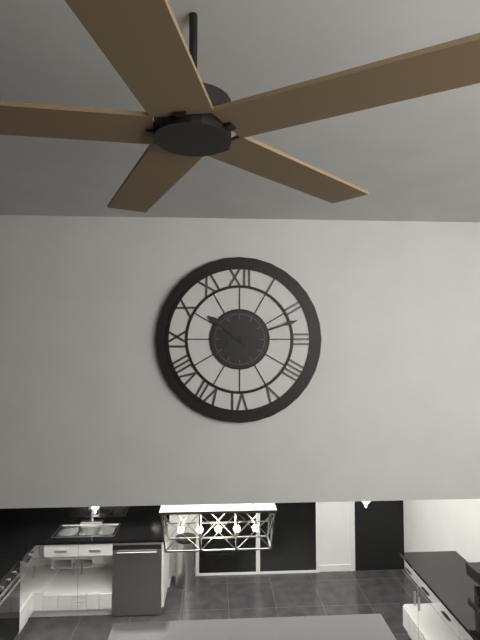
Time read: 10,12
